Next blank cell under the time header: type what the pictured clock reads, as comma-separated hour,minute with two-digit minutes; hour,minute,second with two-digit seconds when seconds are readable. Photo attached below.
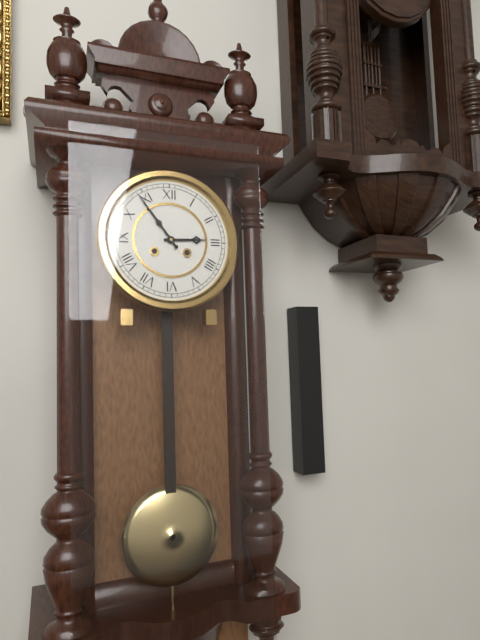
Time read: 2,54
